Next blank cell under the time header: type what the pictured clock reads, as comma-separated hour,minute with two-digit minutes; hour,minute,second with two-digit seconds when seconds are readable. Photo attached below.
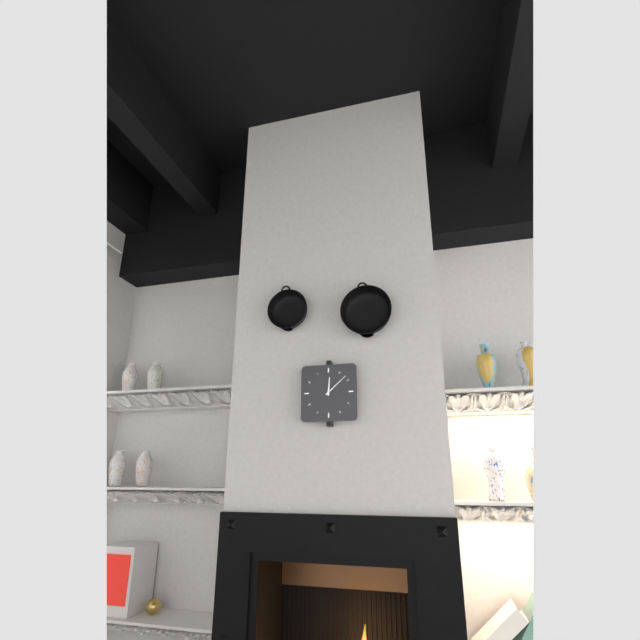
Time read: 12,08
